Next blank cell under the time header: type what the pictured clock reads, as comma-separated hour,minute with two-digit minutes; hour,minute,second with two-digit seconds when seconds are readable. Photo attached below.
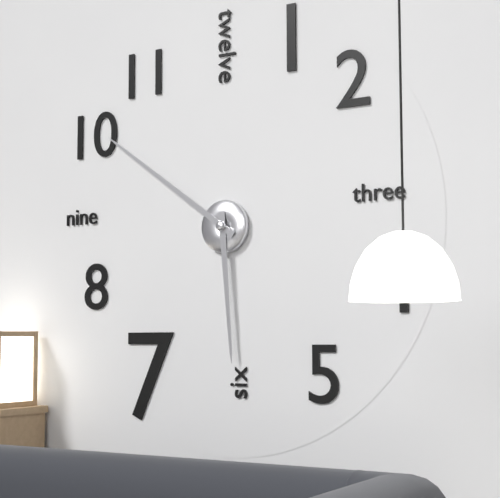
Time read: 5,51
